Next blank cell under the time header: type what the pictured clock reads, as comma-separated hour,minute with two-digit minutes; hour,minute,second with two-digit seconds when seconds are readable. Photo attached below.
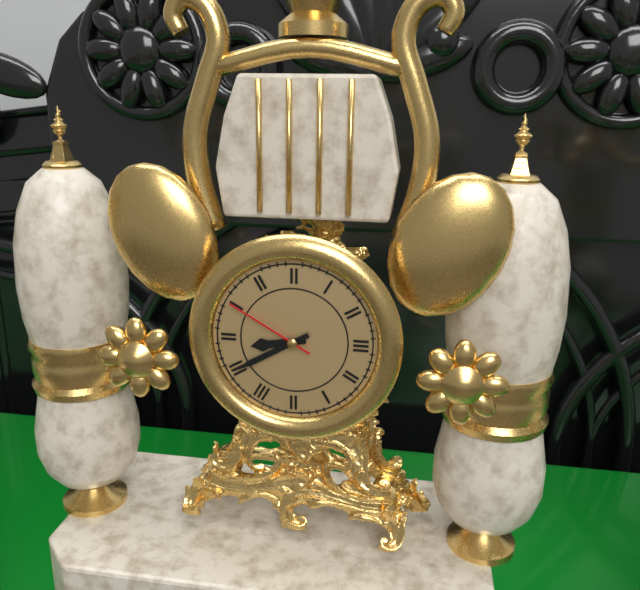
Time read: 8,40,50
